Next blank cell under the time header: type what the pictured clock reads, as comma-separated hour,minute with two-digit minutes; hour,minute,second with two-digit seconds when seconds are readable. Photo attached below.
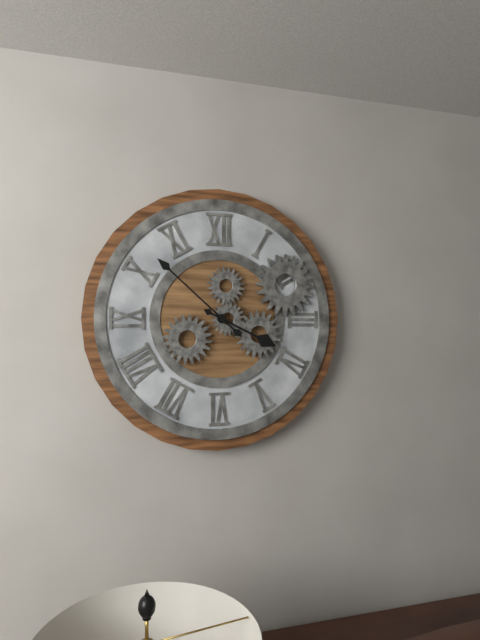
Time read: 3,52
